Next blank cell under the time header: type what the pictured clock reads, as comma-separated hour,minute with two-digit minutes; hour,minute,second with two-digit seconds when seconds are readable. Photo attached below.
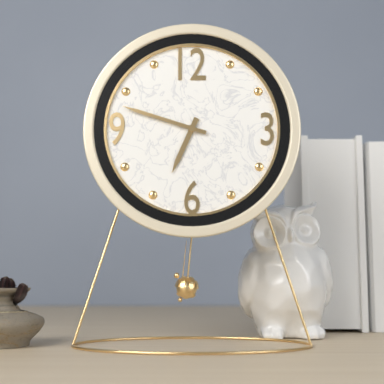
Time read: 6,48
